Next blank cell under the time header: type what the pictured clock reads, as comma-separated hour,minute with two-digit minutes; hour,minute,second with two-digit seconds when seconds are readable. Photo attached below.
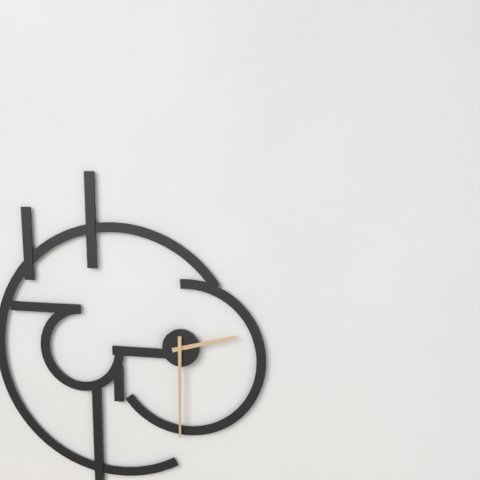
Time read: 2,30
